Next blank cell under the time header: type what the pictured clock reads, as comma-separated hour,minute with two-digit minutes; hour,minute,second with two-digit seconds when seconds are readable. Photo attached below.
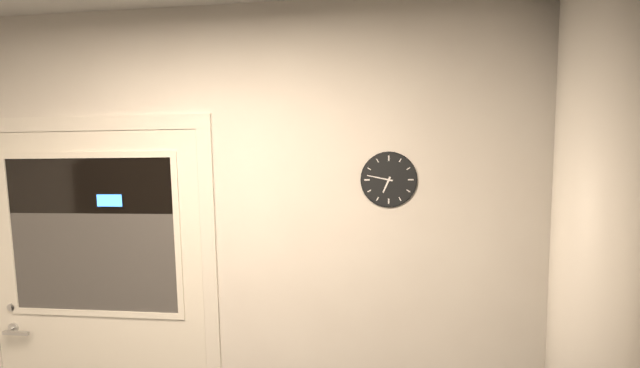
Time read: 6,47
